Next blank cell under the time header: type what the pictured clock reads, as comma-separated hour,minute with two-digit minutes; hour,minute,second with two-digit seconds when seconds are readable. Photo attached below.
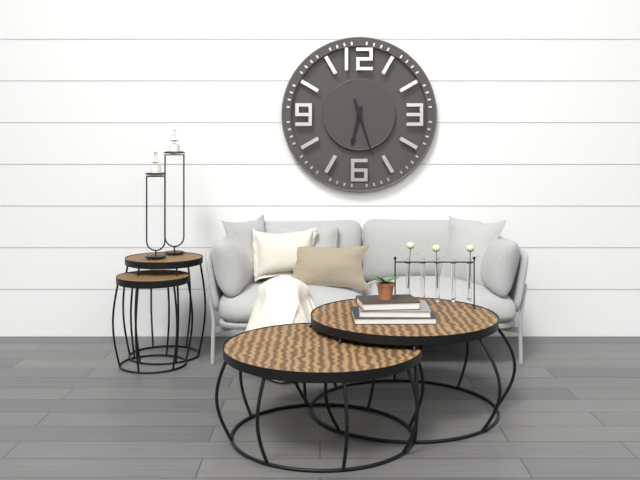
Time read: 6,27
